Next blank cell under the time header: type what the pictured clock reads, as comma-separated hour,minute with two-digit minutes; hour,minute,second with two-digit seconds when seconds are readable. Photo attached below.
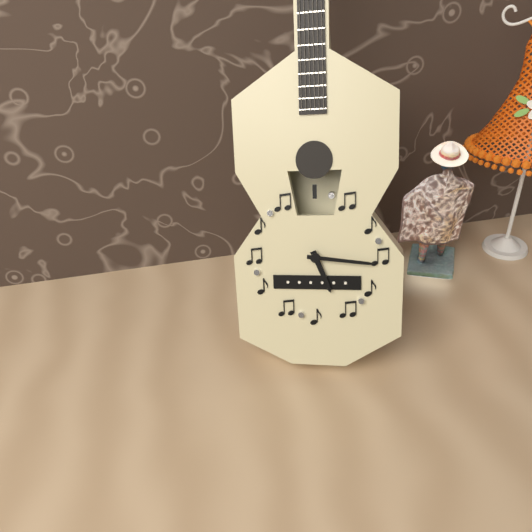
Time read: 5,16
